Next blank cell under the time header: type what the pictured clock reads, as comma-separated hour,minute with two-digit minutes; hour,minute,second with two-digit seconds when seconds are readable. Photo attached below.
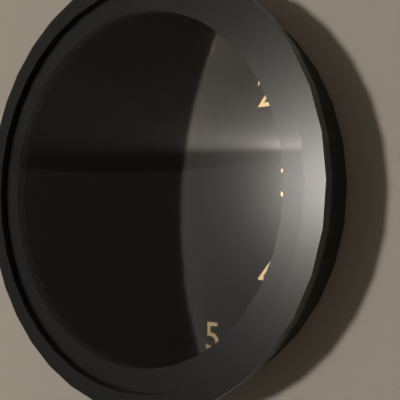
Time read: 12,35
